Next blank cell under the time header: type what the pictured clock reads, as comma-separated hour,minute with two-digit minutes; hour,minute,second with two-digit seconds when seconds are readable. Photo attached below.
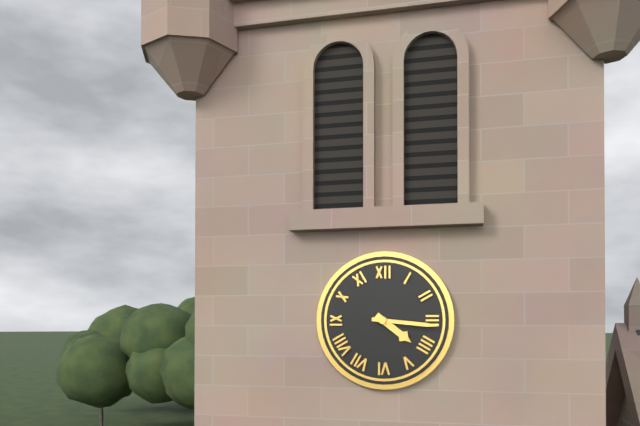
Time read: 4,16
